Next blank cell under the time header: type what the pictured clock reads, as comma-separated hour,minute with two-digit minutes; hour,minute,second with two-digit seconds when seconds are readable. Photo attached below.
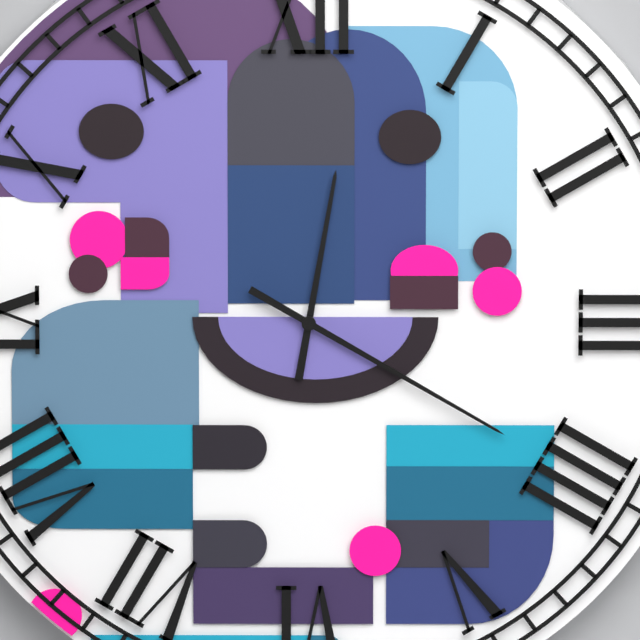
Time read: 12,20
